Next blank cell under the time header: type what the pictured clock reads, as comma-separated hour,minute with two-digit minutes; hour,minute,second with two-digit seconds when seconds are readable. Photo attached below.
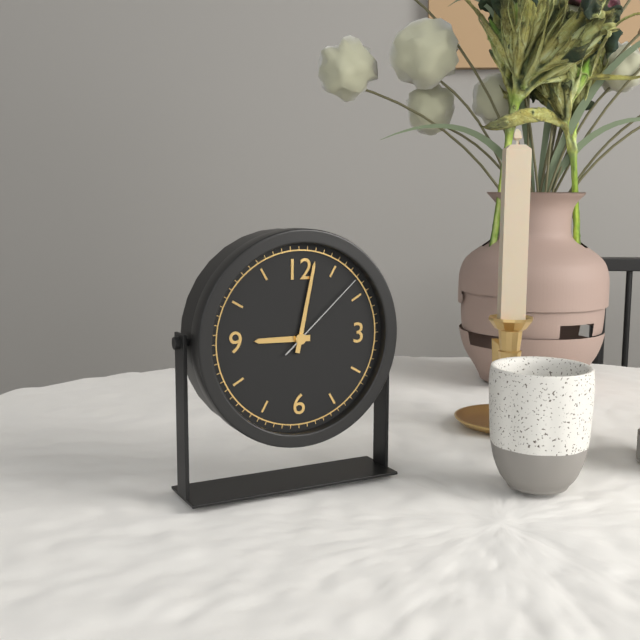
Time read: 9,02,08
